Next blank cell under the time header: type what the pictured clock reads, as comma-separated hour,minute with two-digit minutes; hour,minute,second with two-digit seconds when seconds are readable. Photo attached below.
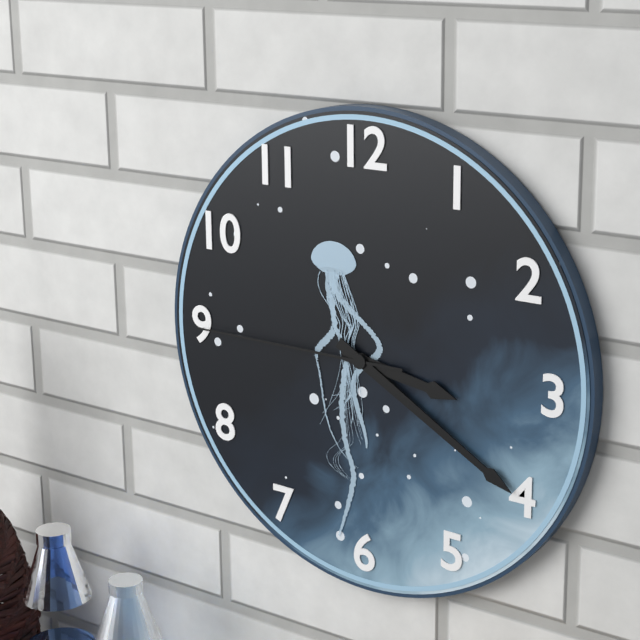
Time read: 3,20,45
